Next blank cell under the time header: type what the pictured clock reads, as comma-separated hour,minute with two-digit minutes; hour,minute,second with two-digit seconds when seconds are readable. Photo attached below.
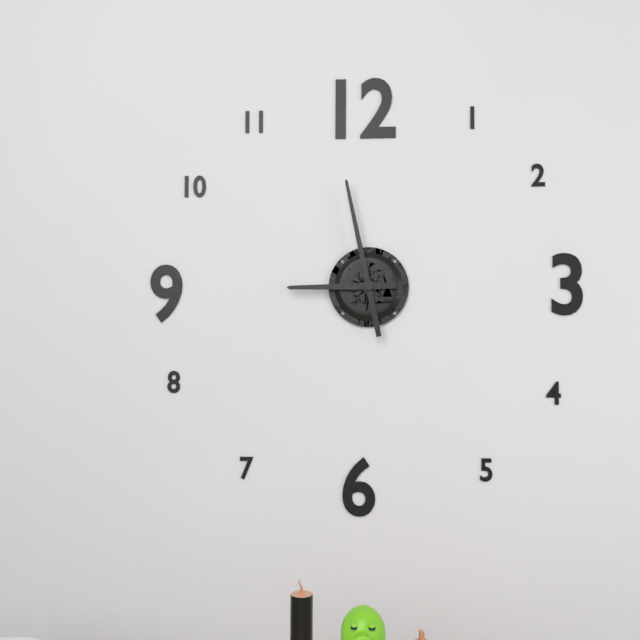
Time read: 8,58
